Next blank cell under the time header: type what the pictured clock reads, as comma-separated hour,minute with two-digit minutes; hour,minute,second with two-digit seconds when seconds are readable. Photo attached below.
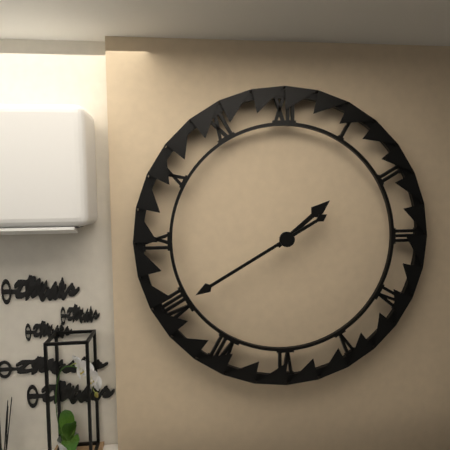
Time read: 1,40
